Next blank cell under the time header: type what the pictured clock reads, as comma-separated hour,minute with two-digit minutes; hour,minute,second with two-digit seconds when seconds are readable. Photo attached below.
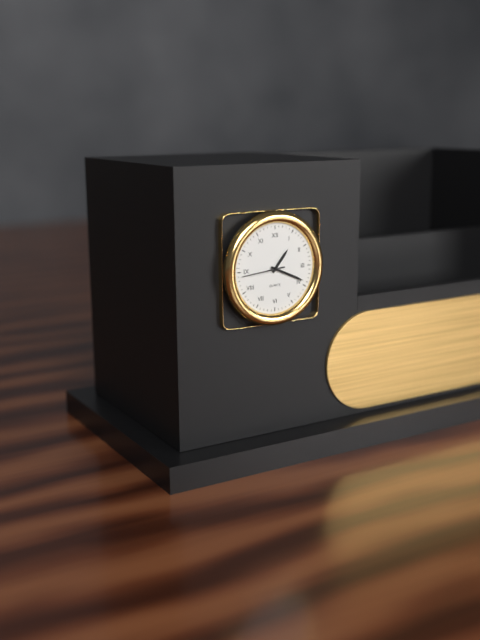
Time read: 1,19
